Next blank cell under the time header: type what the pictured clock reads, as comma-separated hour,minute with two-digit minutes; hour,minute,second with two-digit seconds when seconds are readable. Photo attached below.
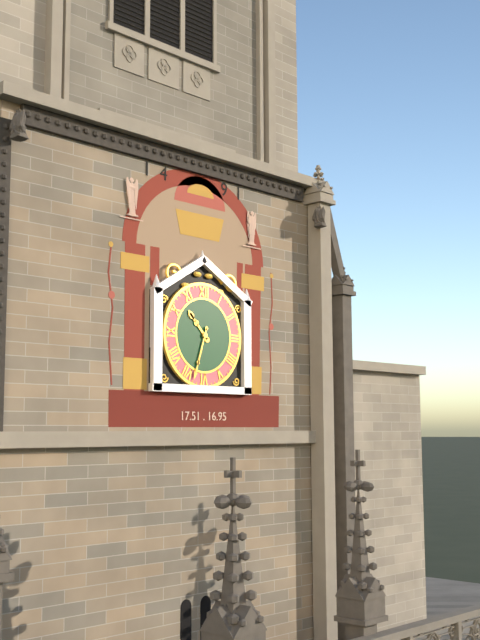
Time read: 10,33
